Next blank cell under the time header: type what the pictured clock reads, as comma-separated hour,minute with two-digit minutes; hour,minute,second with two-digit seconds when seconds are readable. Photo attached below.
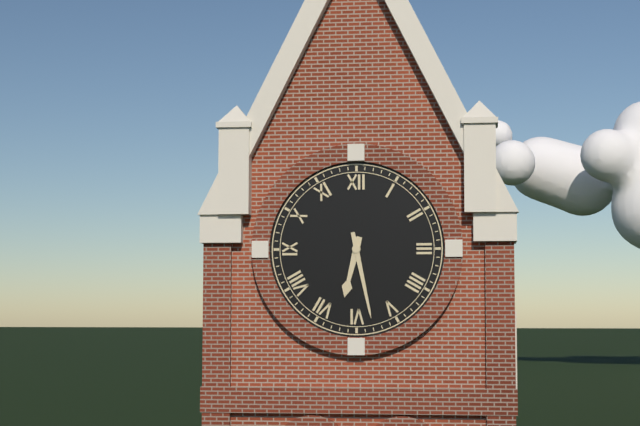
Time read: 6,28
